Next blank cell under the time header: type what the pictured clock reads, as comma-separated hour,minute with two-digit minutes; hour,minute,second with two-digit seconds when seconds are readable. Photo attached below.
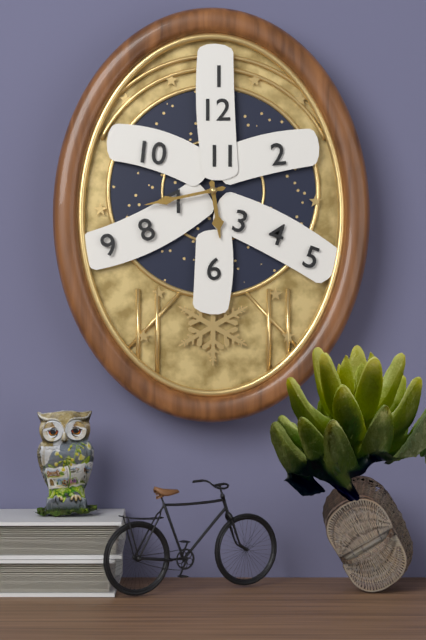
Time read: 5,43
